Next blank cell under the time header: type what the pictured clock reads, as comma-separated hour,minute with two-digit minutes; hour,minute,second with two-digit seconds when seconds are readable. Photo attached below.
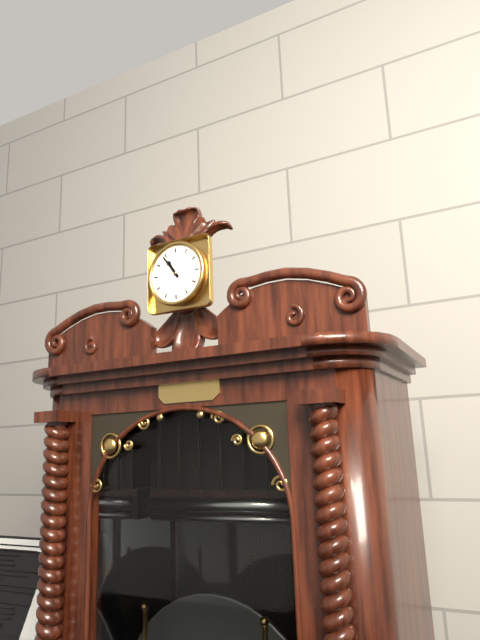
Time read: 10,54
